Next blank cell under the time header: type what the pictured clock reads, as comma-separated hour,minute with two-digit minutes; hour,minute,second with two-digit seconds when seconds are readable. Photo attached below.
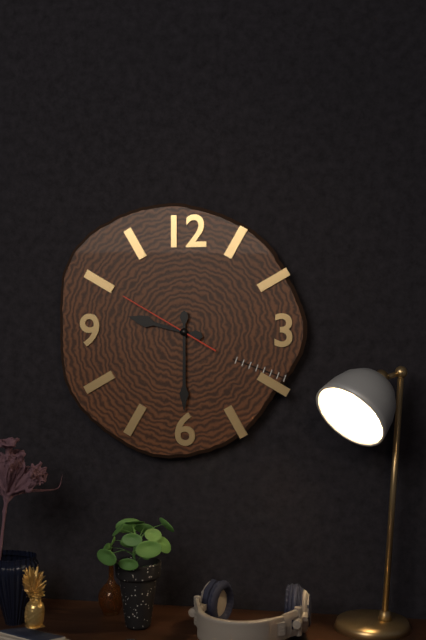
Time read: 9,30,50
